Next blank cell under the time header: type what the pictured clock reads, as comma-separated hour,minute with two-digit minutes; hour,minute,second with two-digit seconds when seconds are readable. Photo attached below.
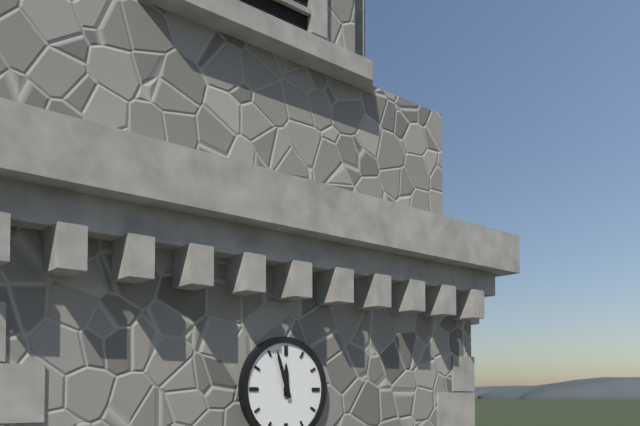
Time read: 11,57
